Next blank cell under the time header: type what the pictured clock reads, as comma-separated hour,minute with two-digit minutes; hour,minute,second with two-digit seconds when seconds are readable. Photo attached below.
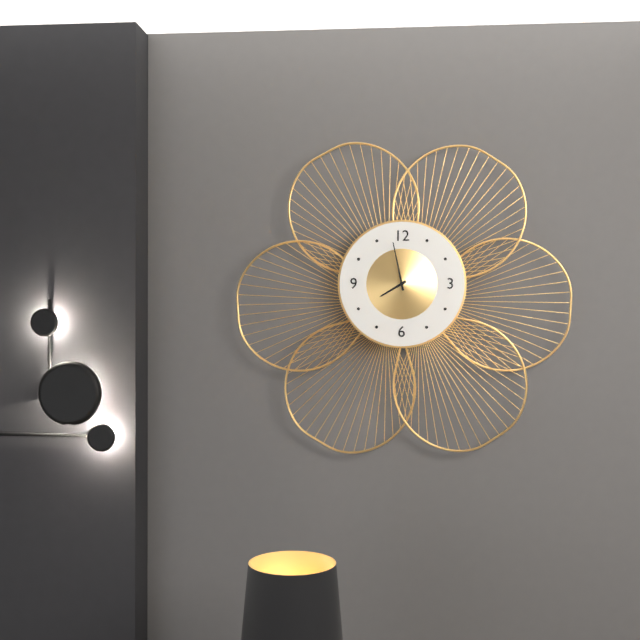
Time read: 7,58
